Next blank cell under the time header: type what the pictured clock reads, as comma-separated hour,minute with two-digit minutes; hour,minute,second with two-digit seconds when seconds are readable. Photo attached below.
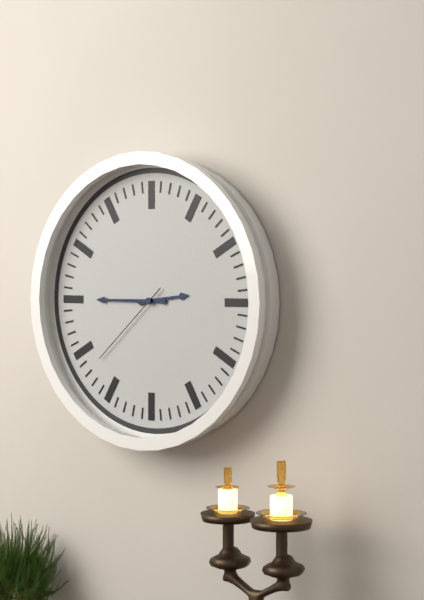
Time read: 2,45,38
